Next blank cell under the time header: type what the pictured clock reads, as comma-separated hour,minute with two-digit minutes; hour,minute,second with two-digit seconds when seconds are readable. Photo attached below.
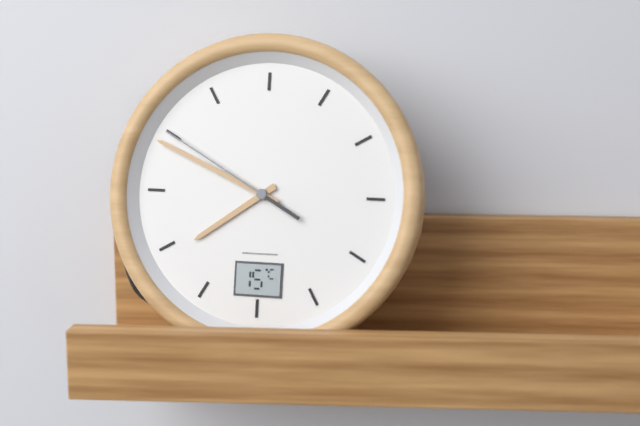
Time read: 7,49,50
